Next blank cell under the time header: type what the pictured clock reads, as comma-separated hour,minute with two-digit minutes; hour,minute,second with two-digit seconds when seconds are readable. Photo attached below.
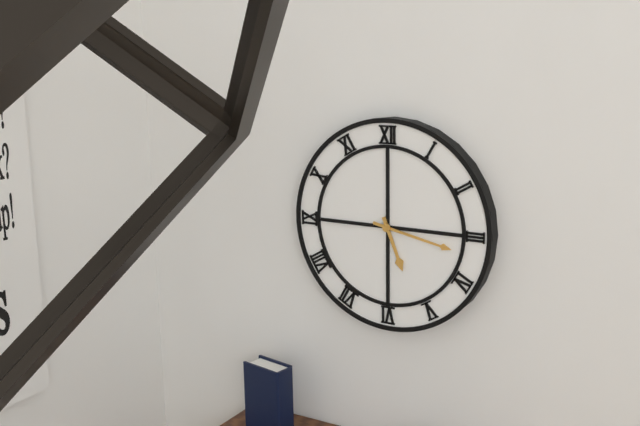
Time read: 5,17
